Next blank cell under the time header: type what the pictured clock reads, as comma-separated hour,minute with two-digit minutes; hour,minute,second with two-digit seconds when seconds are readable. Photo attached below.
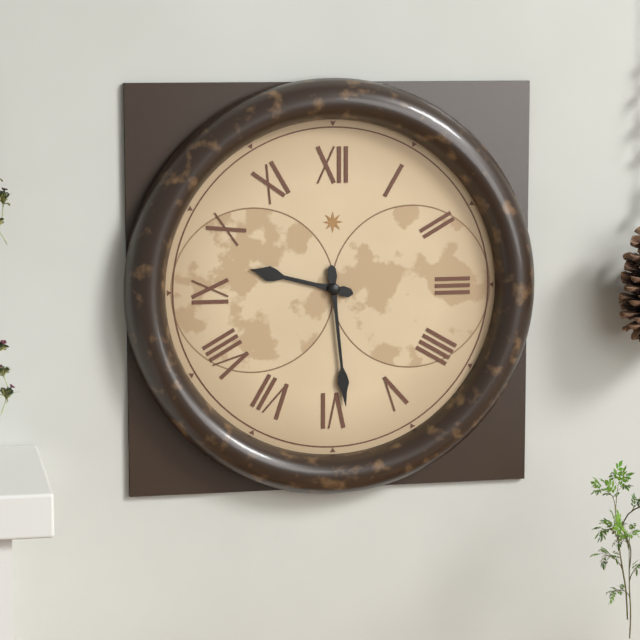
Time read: 9,29
